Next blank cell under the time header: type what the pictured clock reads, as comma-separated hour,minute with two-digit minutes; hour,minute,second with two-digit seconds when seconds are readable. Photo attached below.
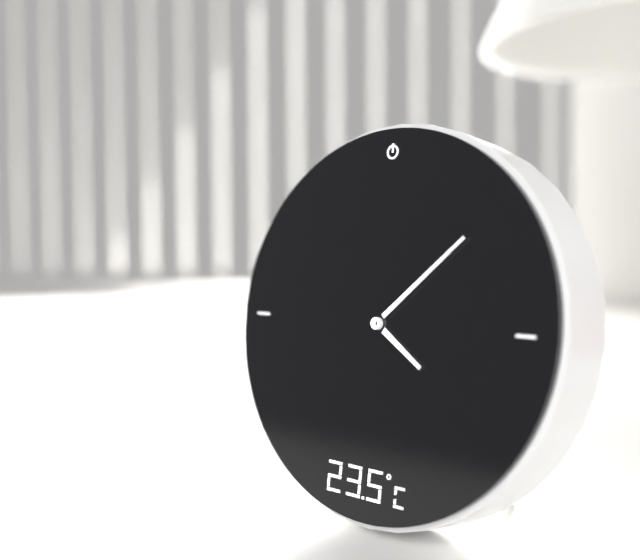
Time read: 4,08
